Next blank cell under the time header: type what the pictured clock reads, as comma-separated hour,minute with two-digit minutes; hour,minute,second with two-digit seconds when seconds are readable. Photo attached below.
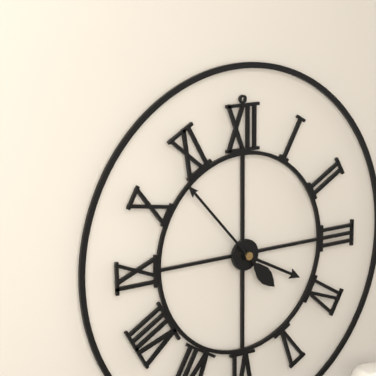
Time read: 3,53
